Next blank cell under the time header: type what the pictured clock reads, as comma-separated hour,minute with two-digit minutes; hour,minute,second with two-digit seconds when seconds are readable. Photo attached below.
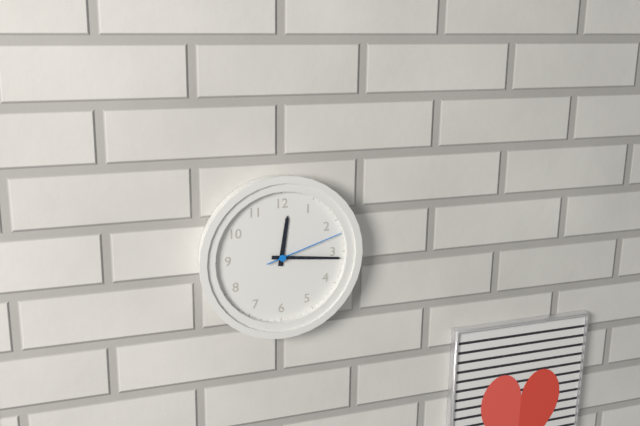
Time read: 12,16,12
